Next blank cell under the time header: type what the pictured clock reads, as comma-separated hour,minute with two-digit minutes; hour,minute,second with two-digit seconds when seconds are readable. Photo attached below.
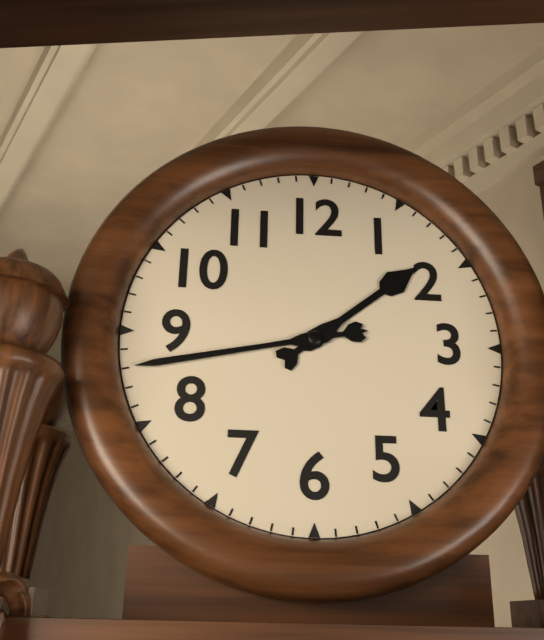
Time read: 1,43
